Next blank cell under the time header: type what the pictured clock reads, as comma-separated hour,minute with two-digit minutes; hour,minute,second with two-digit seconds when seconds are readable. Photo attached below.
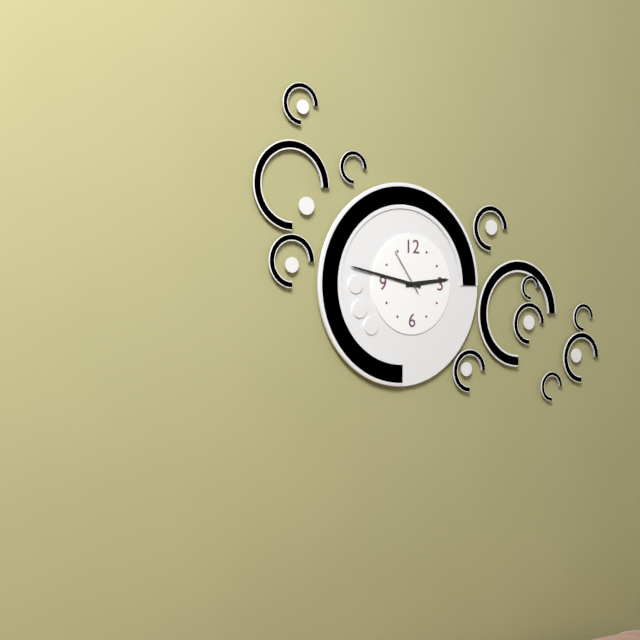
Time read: 2,47
